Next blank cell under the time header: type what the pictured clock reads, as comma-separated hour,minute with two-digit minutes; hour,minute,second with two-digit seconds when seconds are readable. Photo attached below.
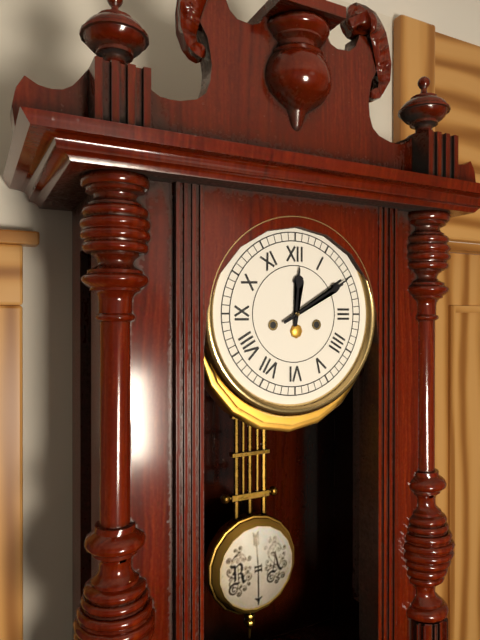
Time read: 12,10
